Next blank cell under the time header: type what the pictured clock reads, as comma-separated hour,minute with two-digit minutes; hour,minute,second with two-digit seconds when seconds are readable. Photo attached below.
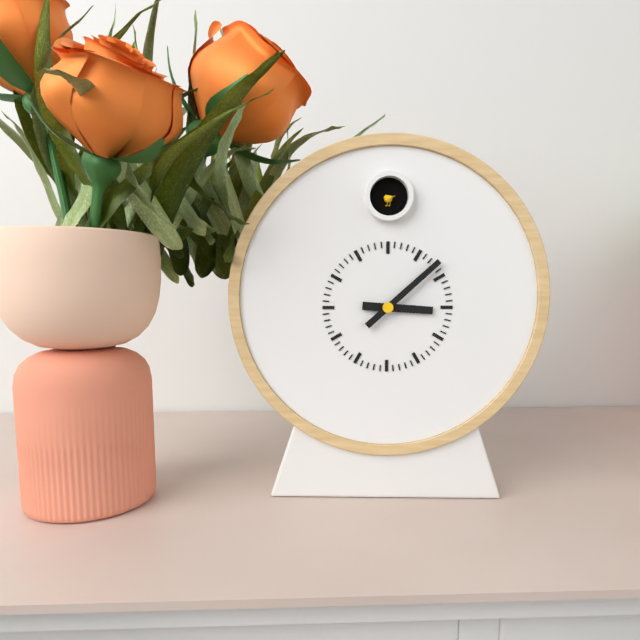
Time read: 3,08
